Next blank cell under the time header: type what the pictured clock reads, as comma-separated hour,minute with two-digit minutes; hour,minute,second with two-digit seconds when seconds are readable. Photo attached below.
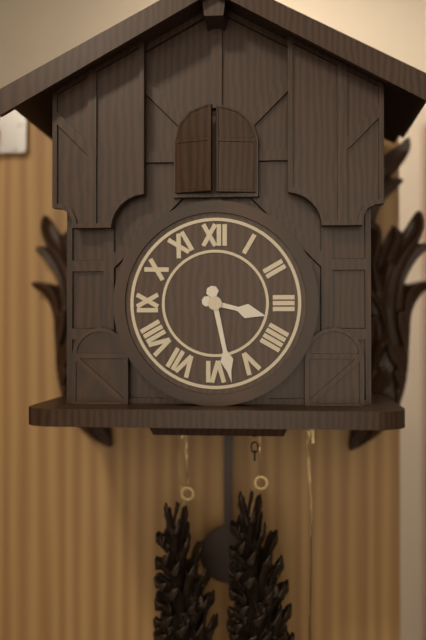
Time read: 3,28
